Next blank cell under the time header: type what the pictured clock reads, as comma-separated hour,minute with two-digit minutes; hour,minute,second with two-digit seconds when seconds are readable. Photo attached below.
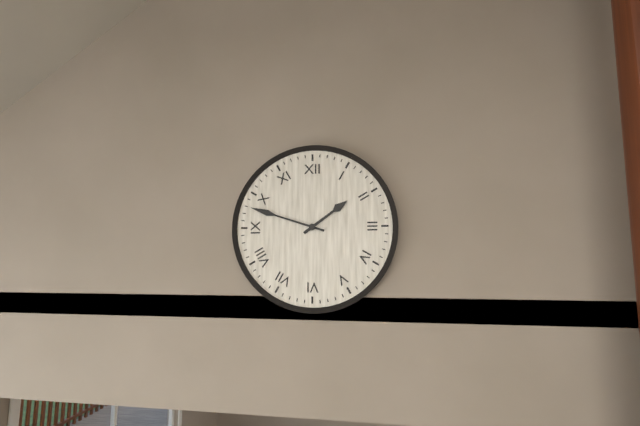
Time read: 1,48
